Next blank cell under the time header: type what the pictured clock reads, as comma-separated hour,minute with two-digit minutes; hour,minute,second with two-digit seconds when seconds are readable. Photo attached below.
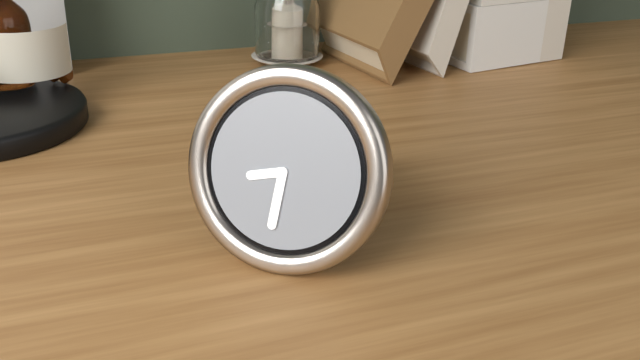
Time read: 8,31
